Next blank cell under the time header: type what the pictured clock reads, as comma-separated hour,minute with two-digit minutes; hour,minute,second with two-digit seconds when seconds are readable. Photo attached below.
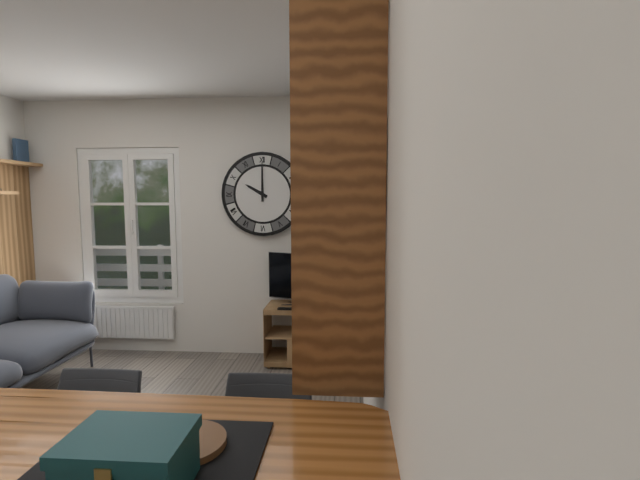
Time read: 10,00
